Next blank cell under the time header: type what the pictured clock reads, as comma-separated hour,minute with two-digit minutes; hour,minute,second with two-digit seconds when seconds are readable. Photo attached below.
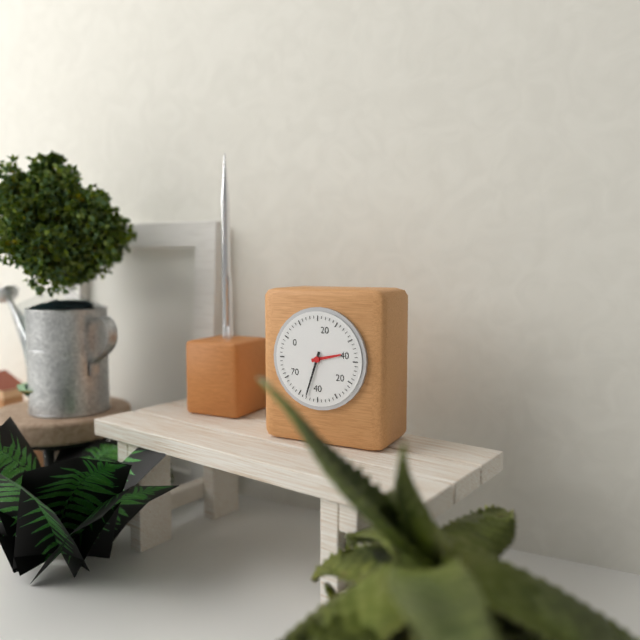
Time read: 2,33
